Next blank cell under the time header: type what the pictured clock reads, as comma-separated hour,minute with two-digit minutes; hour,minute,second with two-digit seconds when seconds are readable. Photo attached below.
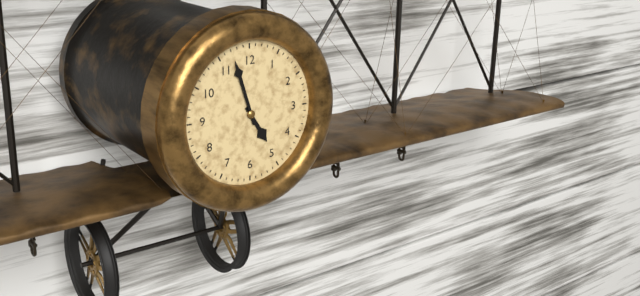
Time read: 4,57
